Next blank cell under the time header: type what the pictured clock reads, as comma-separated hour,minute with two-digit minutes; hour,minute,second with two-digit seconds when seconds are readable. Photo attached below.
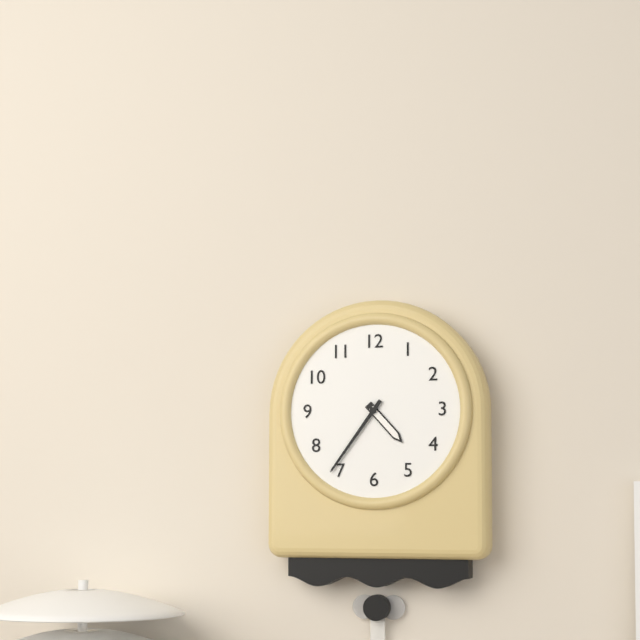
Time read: 4,36
